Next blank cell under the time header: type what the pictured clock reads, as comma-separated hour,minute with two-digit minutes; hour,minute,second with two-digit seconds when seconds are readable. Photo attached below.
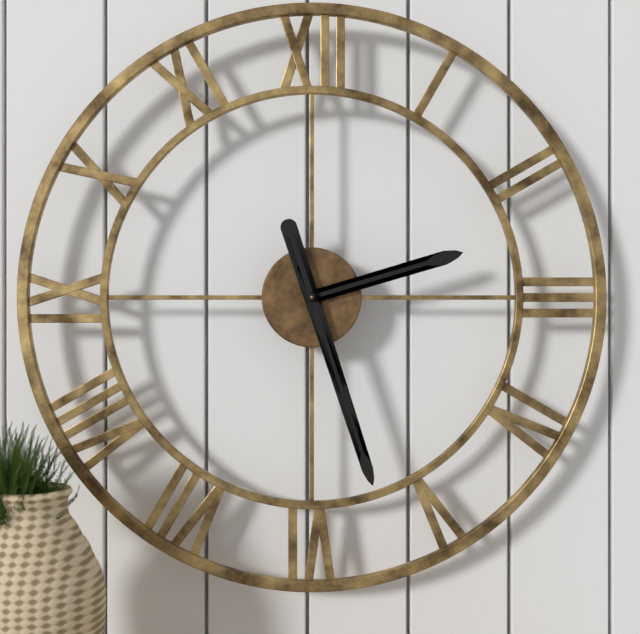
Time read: 2,27
